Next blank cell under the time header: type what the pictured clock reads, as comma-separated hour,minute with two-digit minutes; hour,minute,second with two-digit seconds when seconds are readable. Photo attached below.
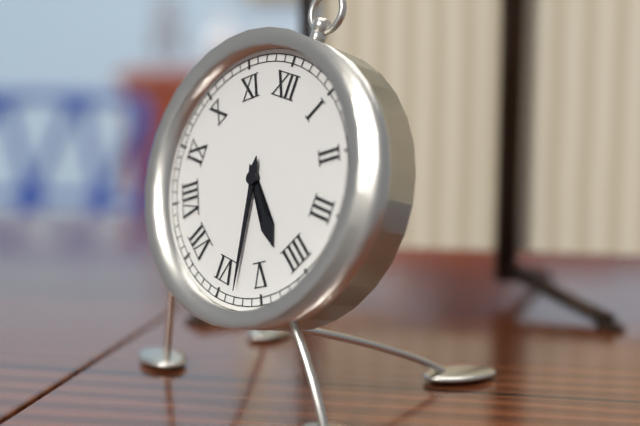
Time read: 4,28
